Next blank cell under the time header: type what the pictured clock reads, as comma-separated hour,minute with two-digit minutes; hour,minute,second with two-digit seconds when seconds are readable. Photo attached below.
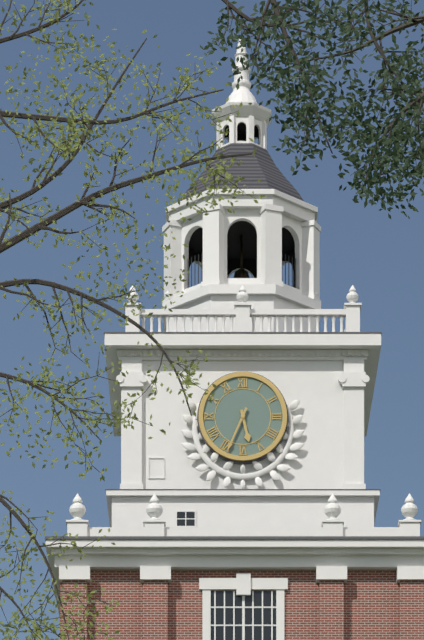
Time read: 5,34
